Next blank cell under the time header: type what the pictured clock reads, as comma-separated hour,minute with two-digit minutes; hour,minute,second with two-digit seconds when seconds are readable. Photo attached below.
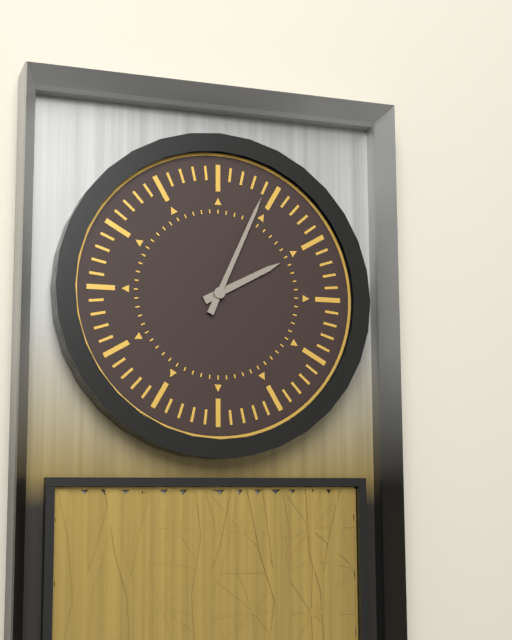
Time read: 2,04
